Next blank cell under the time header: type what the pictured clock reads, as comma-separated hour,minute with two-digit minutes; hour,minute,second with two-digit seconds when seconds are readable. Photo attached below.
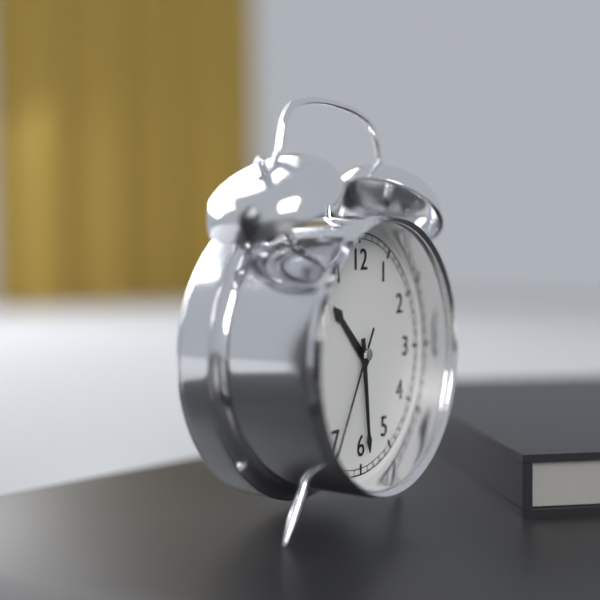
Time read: 10,29,35
